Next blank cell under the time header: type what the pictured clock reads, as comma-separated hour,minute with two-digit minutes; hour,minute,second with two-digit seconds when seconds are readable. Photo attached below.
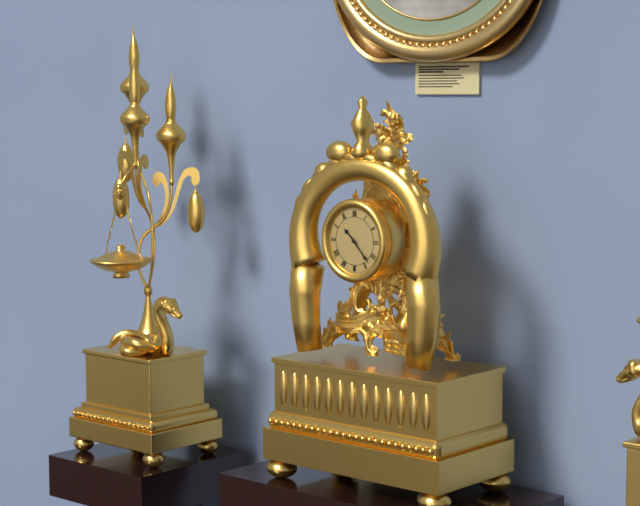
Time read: 10,23
